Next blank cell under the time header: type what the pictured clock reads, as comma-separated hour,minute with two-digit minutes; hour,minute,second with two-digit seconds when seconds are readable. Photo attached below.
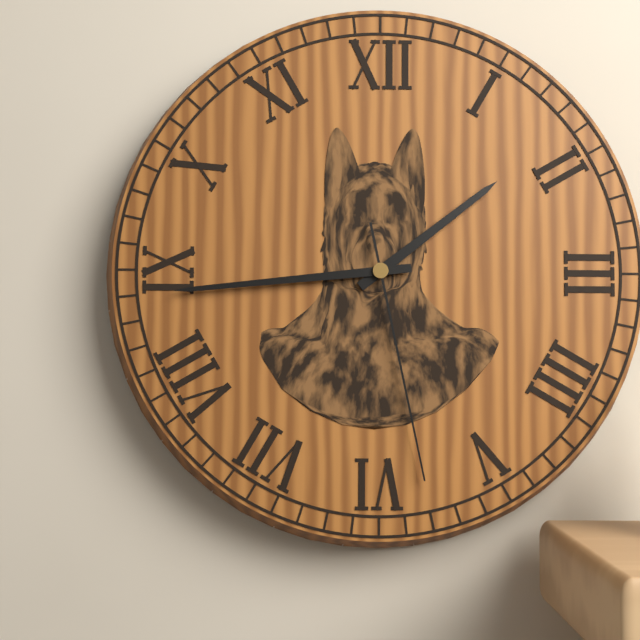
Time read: 1,44,28
